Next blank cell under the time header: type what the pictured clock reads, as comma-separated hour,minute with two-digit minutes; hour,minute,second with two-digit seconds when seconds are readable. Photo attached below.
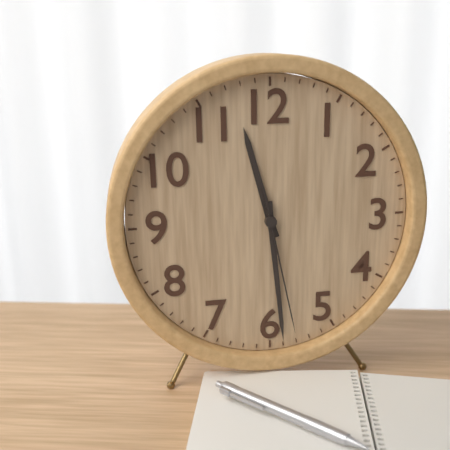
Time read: 11,29,28
